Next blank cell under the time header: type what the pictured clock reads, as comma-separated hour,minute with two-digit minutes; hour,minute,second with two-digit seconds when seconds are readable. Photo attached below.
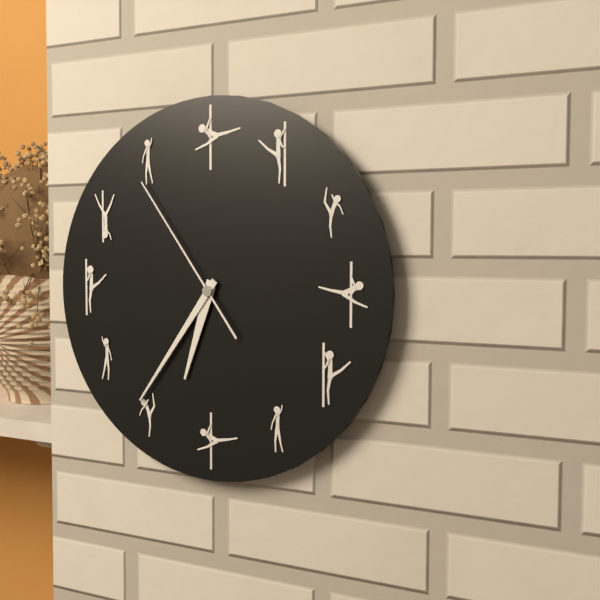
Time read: 6,36,54
